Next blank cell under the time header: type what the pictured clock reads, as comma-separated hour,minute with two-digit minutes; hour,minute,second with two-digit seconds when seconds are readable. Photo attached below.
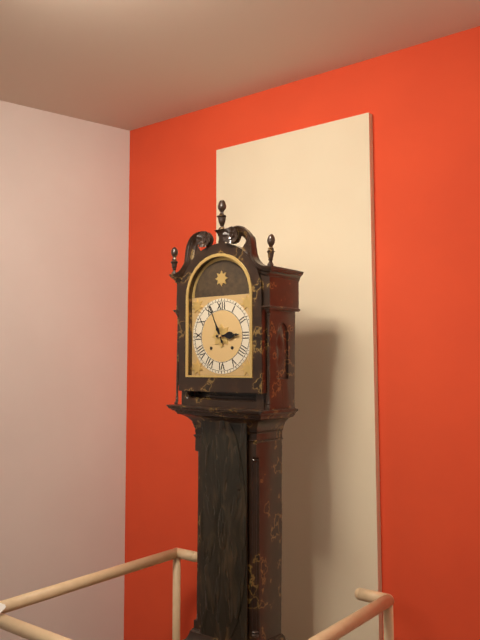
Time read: 2,56
